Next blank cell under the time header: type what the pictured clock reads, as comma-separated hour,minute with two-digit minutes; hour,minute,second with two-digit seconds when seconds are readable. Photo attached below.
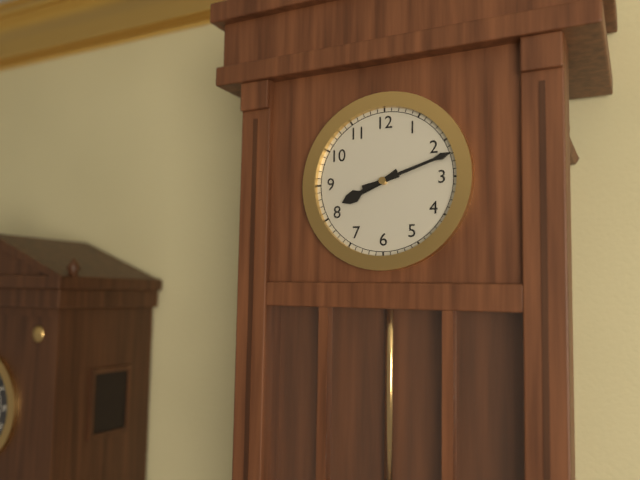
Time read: 8,12
